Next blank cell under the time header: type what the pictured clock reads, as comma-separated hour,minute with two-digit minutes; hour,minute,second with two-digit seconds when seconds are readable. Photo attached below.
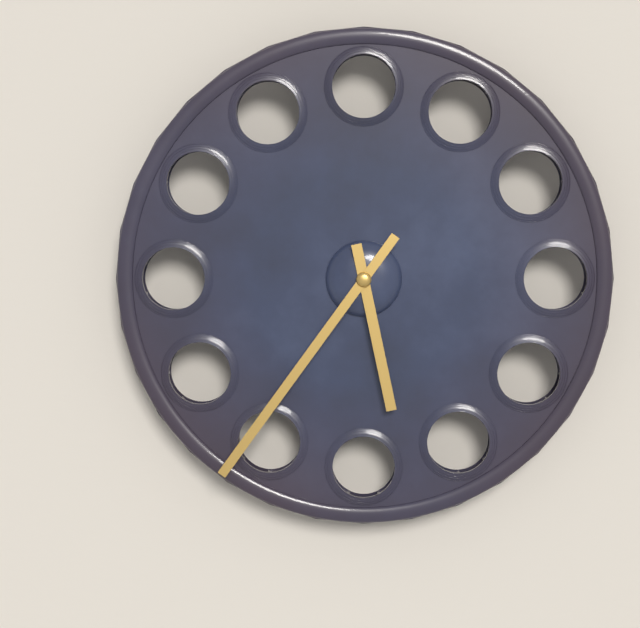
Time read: 5,36
